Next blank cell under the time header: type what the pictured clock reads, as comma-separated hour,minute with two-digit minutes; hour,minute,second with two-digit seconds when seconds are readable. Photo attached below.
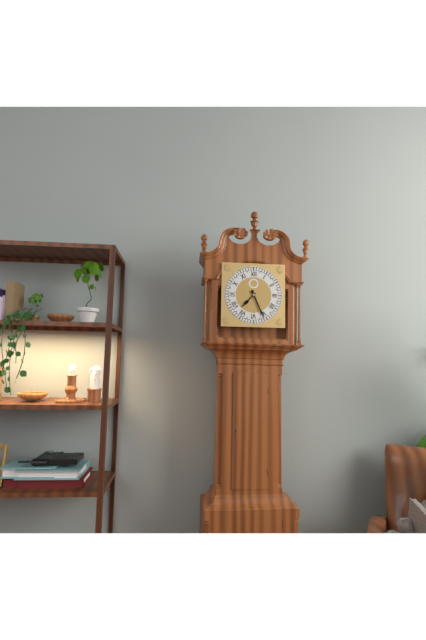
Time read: 7,26
